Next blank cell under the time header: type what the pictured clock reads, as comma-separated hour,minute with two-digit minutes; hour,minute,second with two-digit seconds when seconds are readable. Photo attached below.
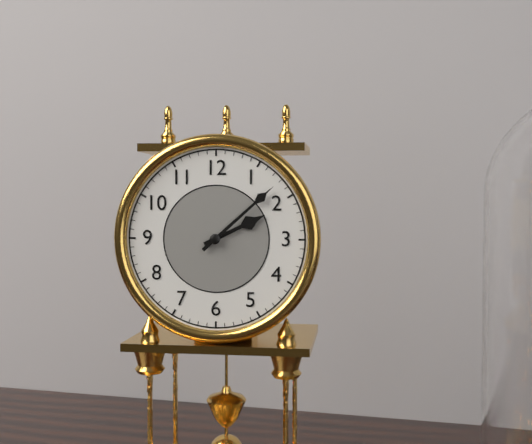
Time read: 2,08
